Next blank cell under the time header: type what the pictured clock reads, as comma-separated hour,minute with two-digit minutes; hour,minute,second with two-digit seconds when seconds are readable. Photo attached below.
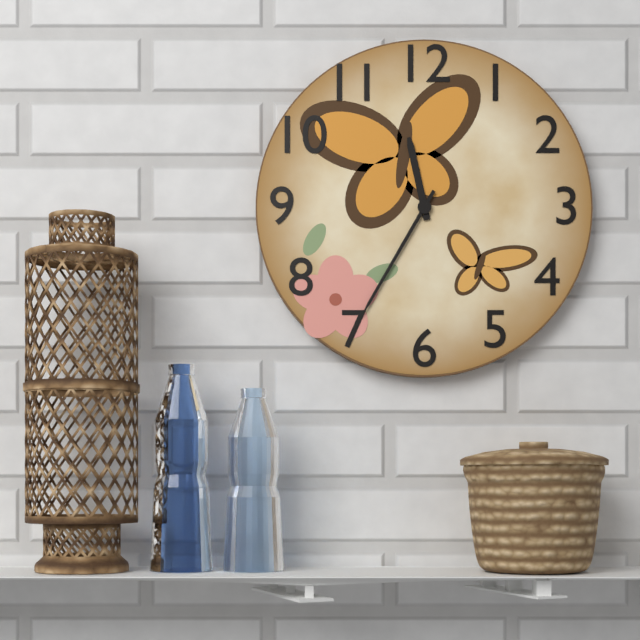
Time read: 11,35
